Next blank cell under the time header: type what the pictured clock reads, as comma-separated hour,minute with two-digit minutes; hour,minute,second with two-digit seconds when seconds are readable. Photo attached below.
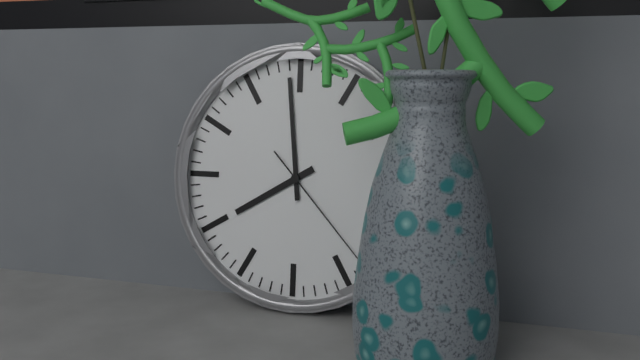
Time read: 7,59,23
